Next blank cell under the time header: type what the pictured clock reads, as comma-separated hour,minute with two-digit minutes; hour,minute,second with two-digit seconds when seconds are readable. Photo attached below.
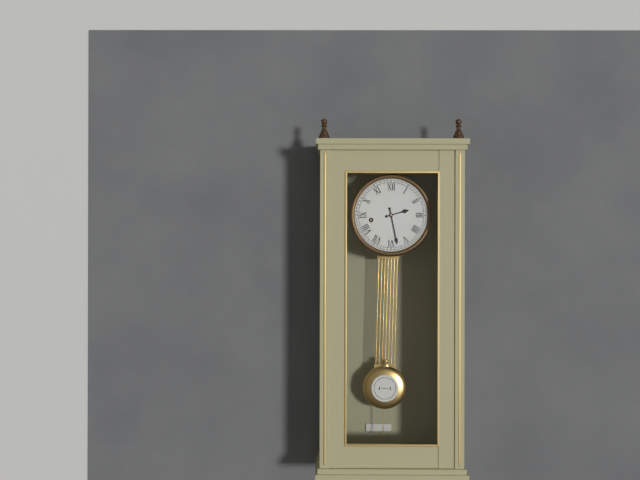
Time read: 2,28
